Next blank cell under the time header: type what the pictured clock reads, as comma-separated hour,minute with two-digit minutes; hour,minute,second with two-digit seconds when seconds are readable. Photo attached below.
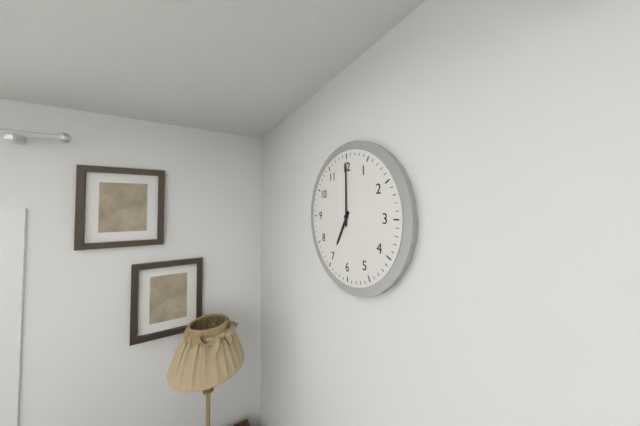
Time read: 7,00
